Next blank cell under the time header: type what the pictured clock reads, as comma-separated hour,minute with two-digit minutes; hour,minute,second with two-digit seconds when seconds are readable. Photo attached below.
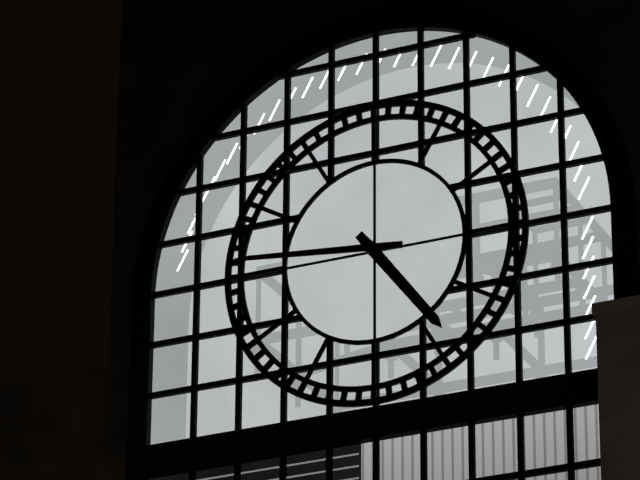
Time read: 4,46
